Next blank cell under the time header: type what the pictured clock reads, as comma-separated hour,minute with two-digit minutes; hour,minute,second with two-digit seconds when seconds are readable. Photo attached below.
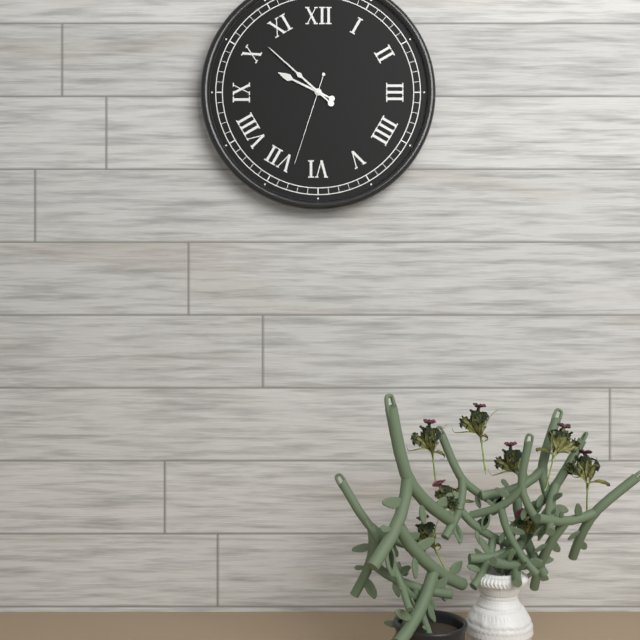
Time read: 9,52,33
